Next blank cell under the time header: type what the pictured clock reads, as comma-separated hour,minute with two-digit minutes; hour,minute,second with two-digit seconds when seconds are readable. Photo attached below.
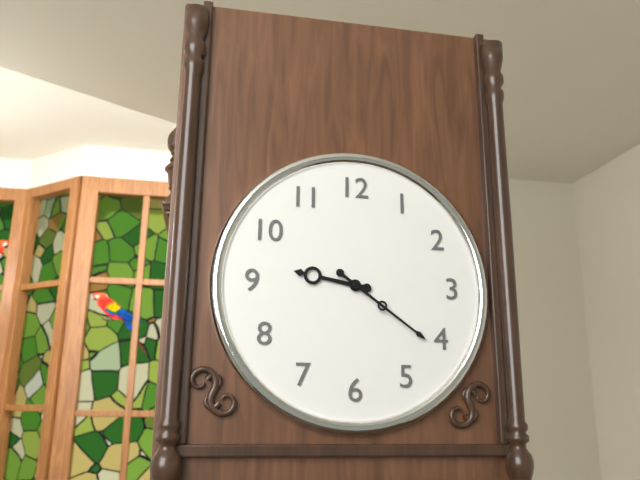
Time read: 9,21
